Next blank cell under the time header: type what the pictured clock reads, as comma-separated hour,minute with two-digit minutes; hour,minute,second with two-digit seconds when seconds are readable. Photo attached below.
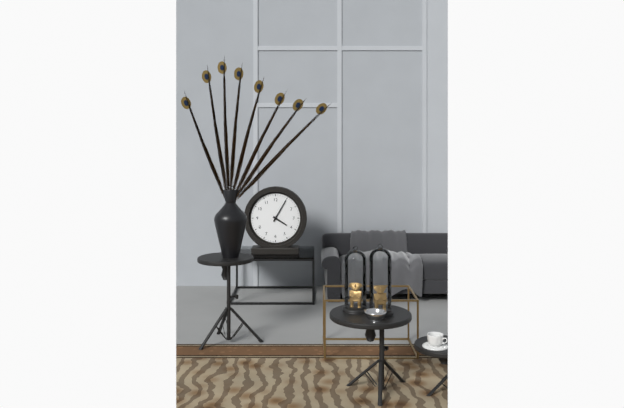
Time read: 4,05
